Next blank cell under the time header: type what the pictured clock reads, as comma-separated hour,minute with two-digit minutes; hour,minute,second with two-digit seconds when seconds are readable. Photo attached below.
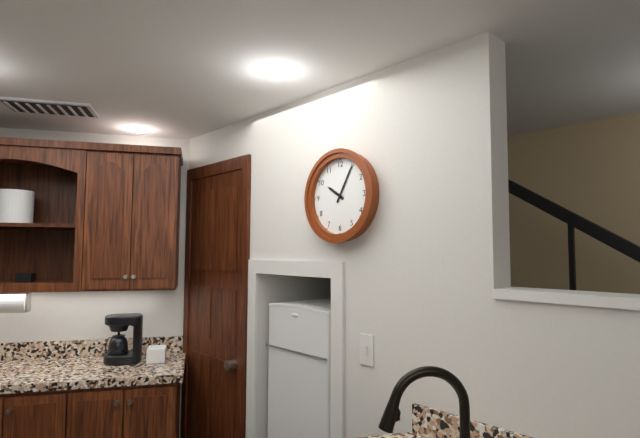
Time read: 10,05
